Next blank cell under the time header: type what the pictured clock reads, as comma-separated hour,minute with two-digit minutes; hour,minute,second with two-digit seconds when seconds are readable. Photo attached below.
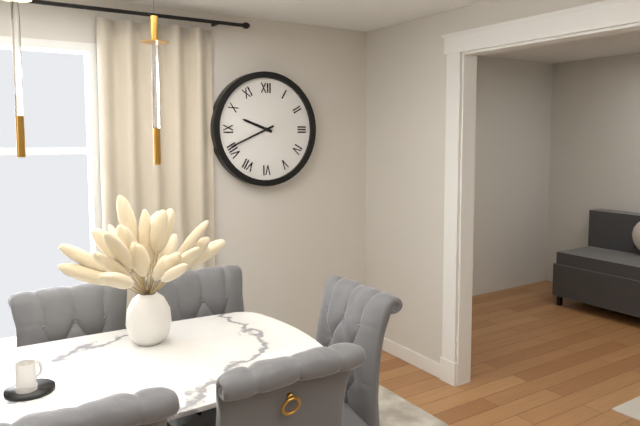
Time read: 9,41
